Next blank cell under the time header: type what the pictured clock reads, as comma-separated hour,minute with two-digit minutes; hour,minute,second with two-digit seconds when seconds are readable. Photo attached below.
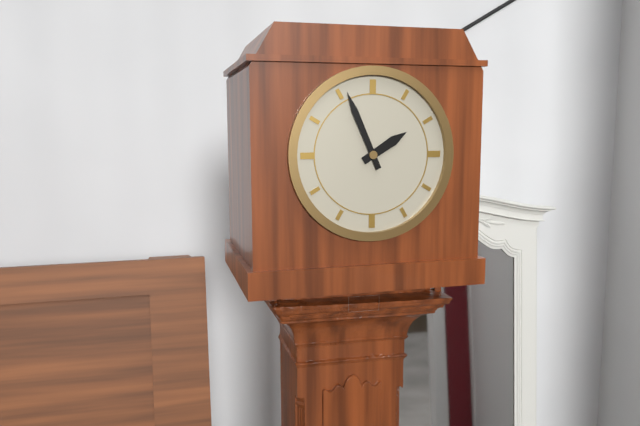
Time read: 1,56
